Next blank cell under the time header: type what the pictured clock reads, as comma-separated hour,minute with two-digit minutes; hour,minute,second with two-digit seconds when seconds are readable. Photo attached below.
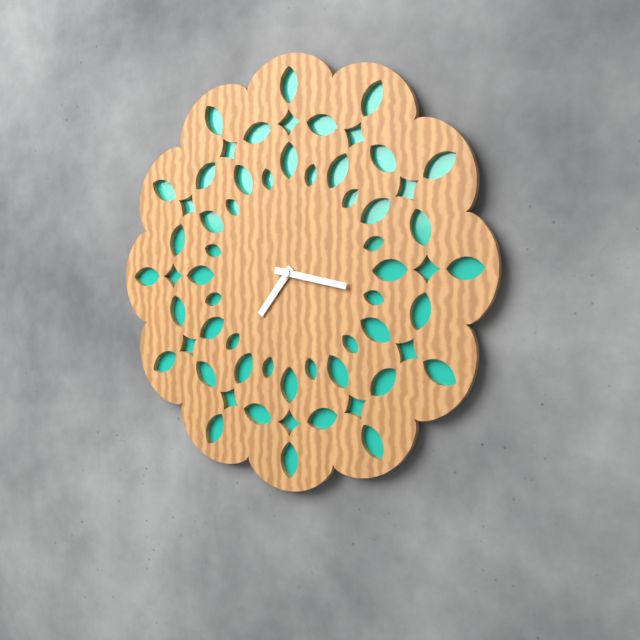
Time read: 7,17
